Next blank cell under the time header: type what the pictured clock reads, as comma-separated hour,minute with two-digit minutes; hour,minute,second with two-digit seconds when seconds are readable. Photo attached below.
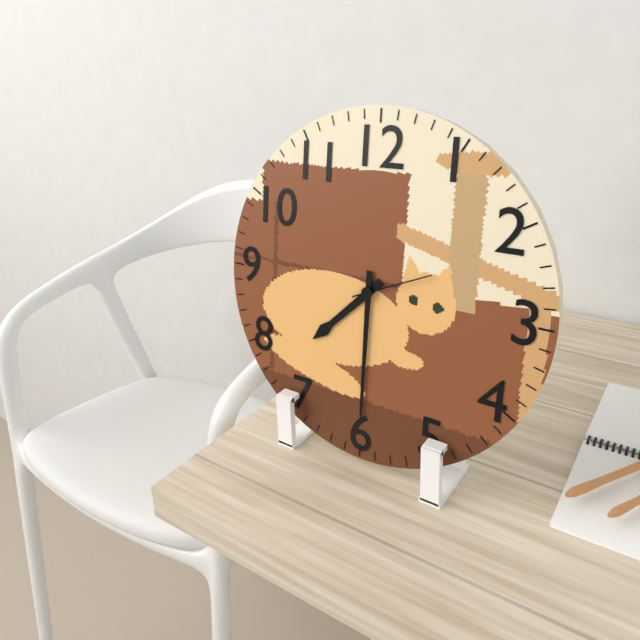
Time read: 7,30,11
